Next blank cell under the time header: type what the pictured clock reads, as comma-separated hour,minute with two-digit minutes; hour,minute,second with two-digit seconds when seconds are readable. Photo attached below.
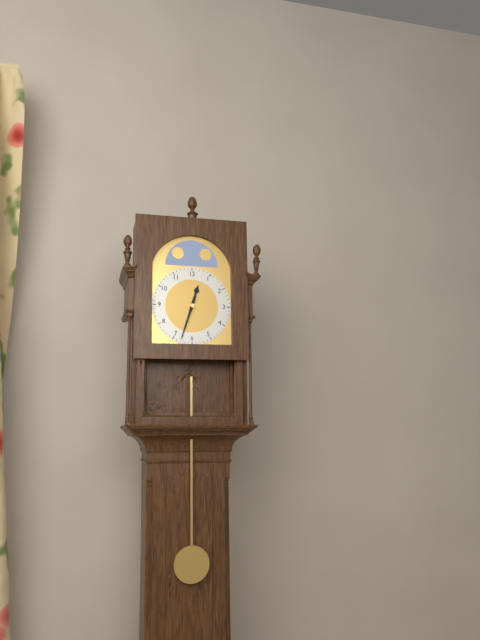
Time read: 12,33
